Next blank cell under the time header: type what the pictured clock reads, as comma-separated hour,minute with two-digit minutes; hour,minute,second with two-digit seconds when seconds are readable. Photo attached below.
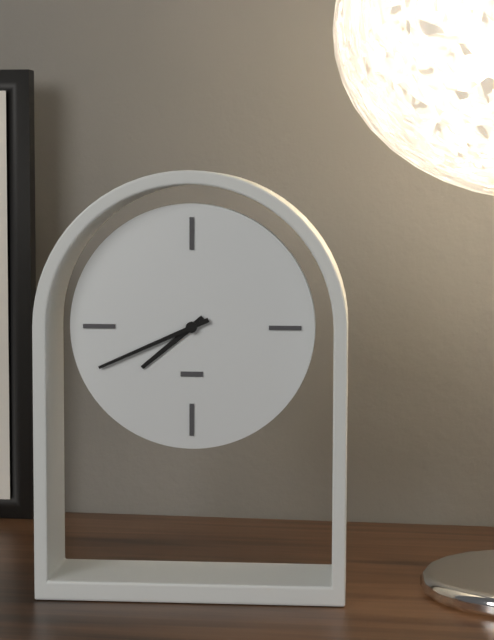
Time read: 7,41
